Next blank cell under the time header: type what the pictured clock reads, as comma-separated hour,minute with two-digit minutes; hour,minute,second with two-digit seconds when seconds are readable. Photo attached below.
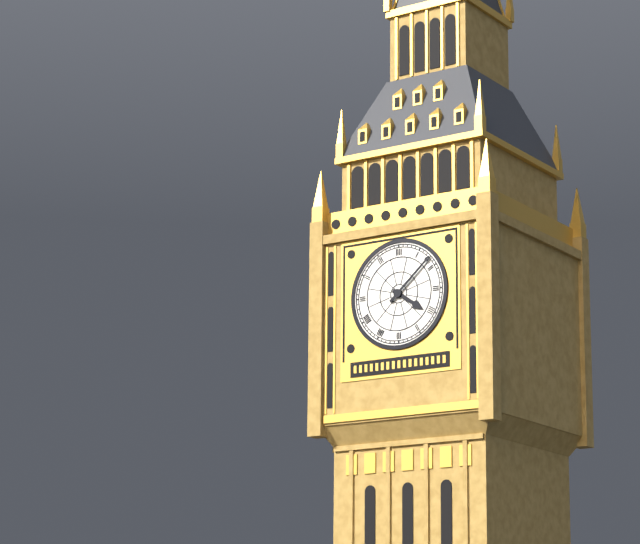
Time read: 4,08
